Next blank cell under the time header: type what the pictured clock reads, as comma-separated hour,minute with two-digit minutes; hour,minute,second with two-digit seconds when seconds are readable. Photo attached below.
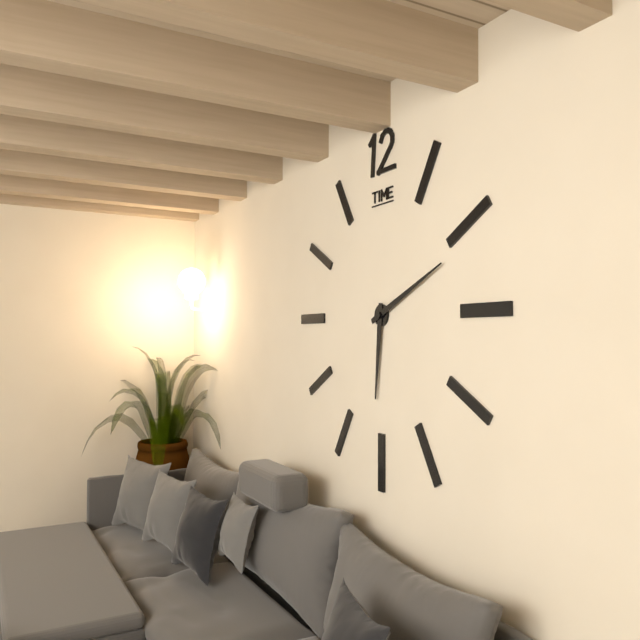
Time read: 6,11
